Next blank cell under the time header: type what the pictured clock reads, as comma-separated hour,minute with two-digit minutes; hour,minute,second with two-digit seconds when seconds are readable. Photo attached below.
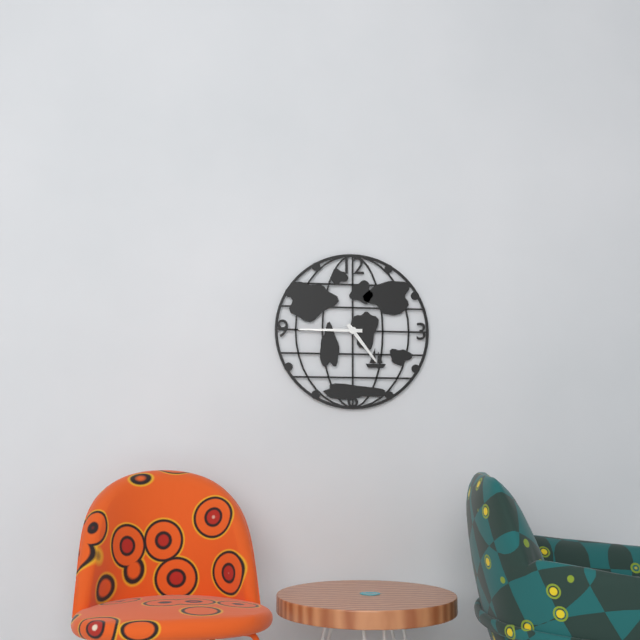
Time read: 4,45
